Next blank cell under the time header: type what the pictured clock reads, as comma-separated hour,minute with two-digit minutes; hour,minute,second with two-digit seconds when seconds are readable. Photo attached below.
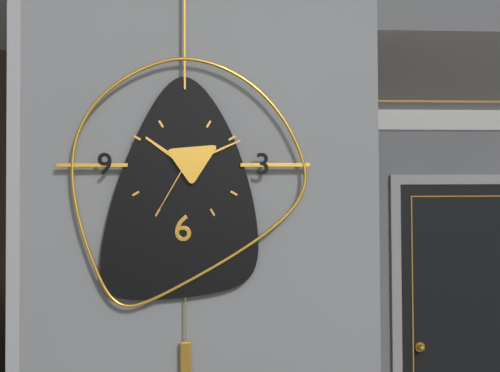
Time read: 10,11,35
